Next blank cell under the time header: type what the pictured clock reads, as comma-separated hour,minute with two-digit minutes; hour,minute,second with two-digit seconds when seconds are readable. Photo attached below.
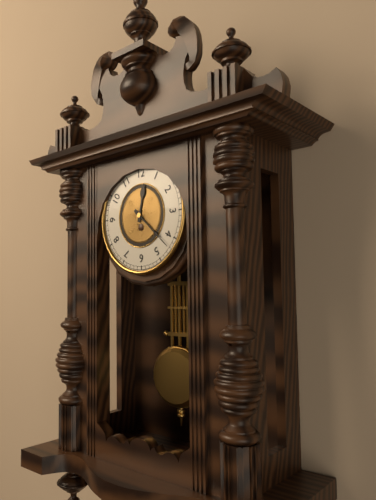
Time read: 12,22
